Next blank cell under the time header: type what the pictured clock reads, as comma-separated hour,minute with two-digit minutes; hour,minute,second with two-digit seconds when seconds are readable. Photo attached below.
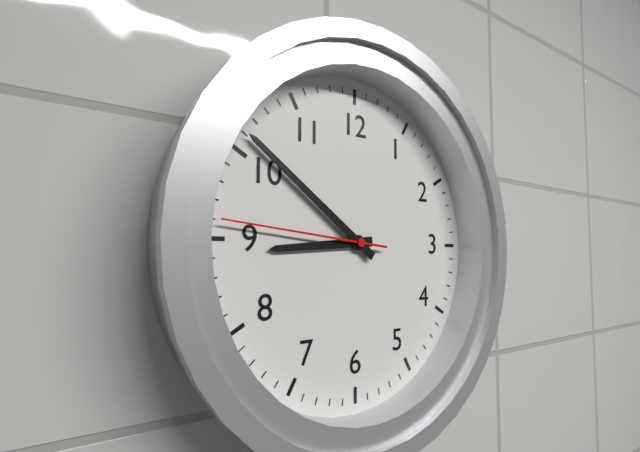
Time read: 8,51,46
